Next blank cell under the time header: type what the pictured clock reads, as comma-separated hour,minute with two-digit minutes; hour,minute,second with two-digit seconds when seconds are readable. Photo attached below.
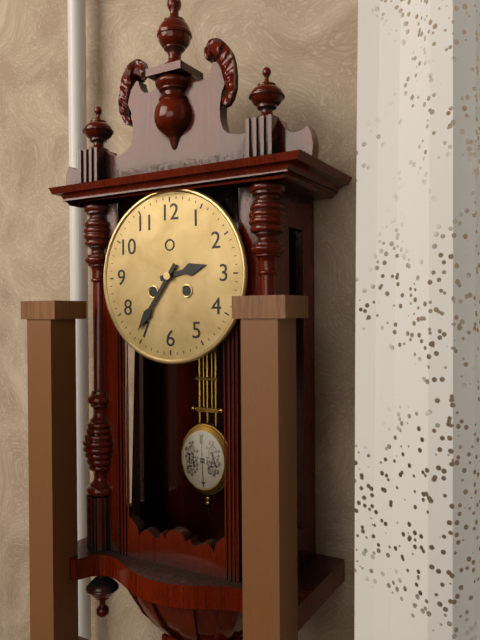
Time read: 2,36
